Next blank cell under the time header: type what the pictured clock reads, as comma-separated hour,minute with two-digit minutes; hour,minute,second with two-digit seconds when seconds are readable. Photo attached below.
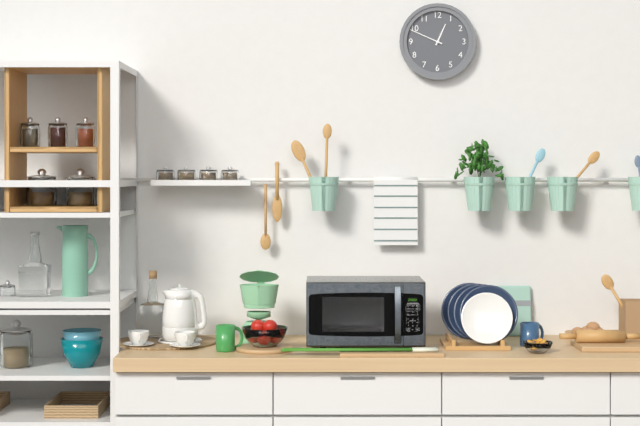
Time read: 12,49
